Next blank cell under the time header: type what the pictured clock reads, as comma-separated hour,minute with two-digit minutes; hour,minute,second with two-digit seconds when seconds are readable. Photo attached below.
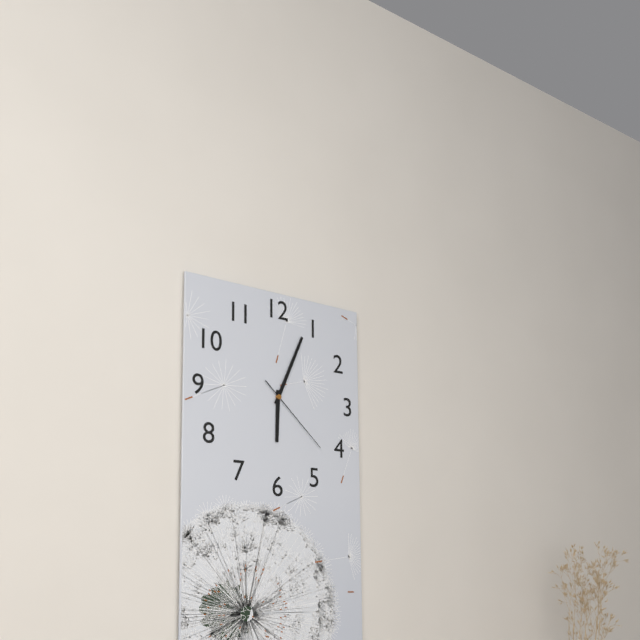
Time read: 6,04,22
